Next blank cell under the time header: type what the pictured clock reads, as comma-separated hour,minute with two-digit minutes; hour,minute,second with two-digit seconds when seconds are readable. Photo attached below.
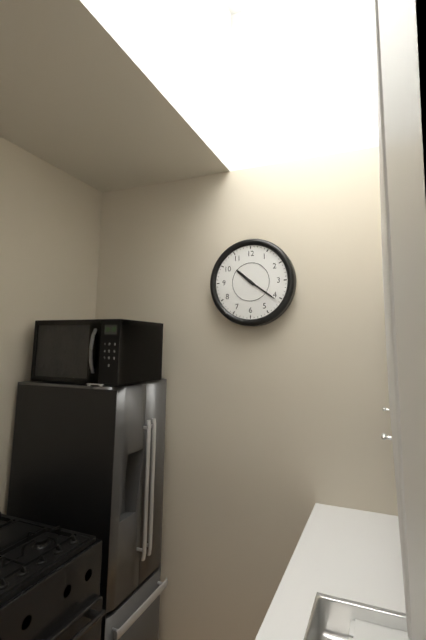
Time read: 10,21
